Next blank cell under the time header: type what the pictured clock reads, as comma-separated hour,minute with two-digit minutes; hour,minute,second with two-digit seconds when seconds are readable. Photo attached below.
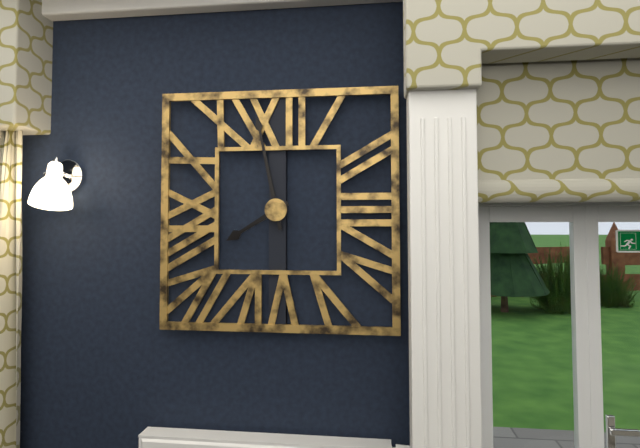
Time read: 7,58
